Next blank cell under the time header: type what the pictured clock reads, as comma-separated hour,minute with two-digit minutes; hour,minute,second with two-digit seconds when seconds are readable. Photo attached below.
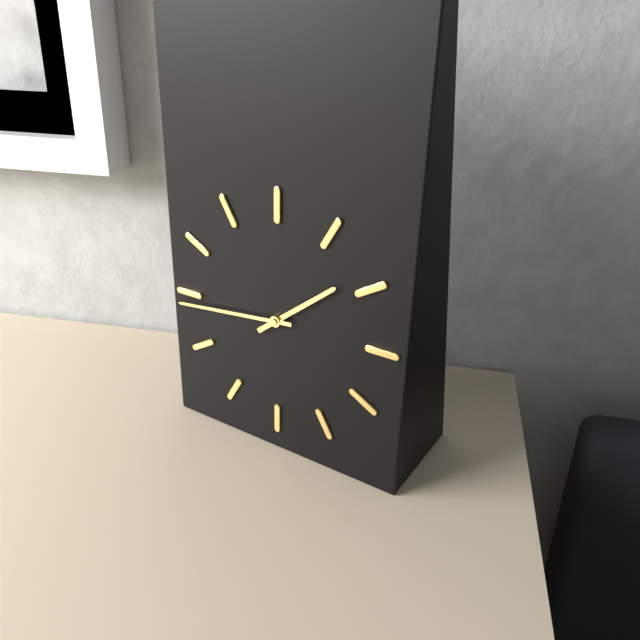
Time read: 1,44
